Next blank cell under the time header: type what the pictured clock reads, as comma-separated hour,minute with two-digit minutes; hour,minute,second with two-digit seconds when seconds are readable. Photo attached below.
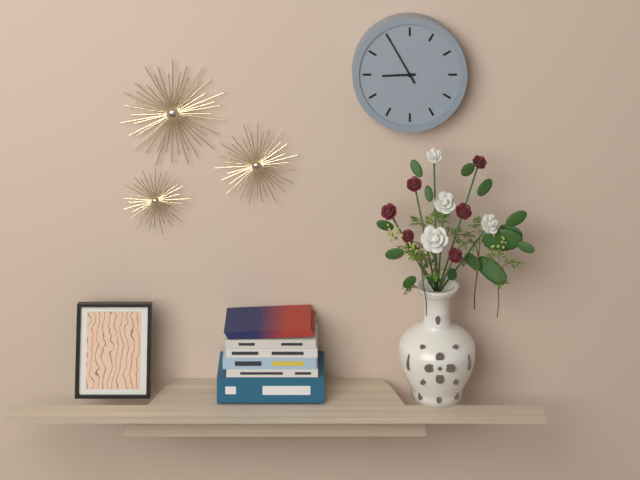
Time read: 8,55
